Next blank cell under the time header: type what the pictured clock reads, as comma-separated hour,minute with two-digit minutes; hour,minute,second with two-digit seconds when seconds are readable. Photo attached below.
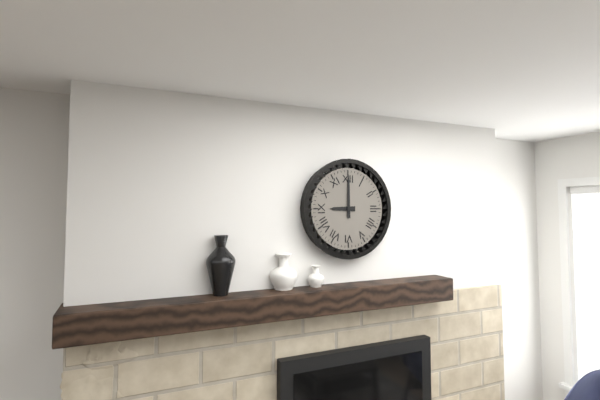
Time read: 9,00
